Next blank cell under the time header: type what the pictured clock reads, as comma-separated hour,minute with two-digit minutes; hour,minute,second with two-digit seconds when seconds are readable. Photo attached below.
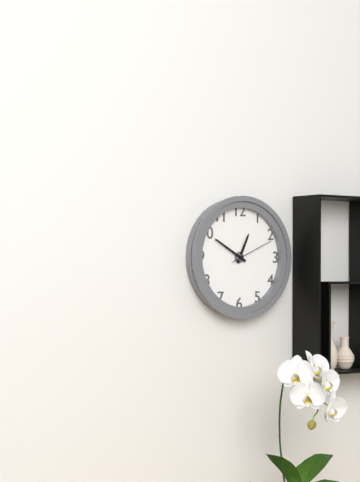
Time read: 12,50
